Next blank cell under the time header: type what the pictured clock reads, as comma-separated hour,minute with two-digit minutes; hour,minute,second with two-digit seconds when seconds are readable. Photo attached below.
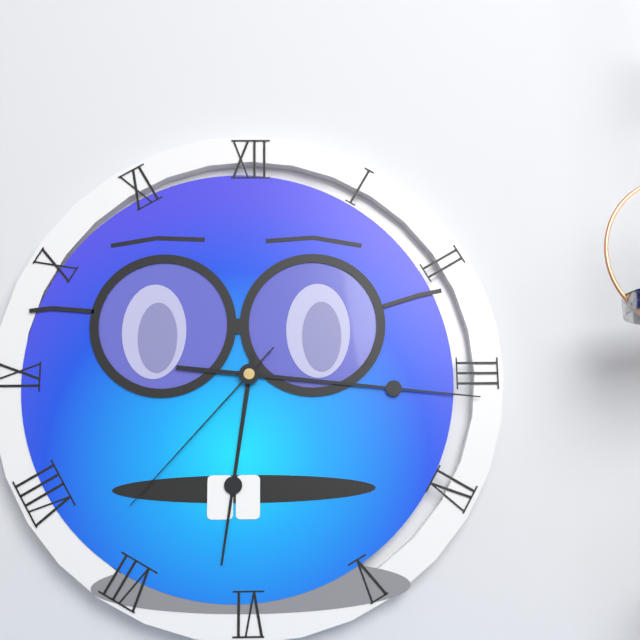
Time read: 6,16,37
